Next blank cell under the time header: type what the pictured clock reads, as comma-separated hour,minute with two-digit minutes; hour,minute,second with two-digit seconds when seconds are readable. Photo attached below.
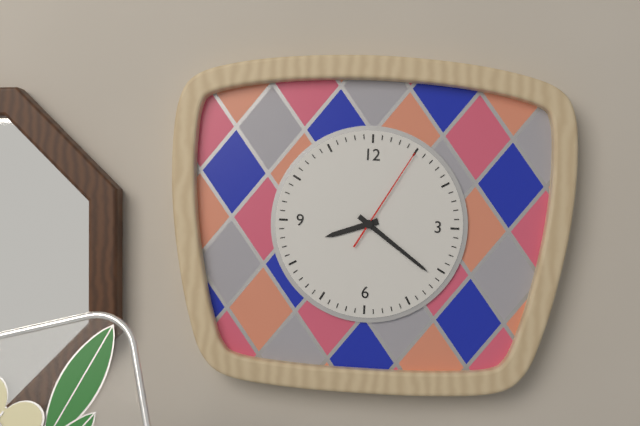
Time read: 8,21,05
